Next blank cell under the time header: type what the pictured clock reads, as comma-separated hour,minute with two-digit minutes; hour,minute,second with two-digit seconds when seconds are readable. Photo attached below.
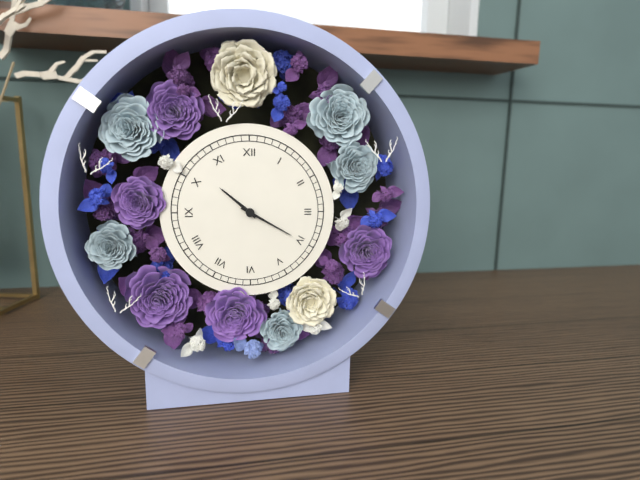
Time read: 10,20
